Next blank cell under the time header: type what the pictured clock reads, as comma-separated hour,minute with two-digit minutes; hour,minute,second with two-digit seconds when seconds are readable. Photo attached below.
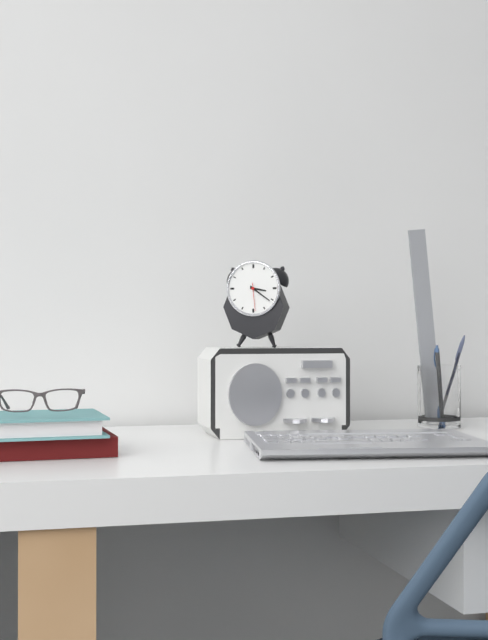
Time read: 3,21
